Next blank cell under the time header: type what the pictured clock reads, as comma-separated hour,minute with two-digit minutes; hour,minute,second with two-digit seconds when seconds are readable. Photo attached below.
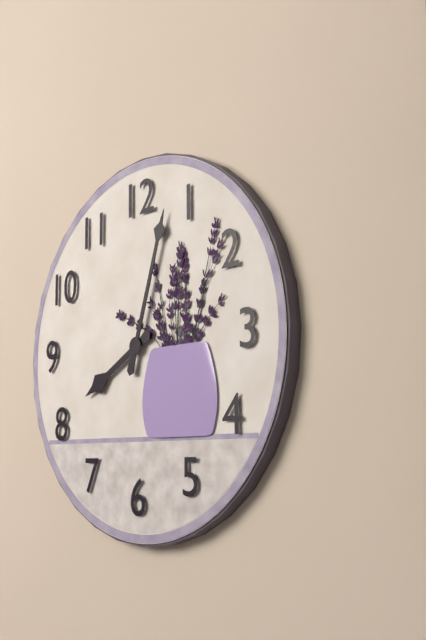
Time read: 8,03
